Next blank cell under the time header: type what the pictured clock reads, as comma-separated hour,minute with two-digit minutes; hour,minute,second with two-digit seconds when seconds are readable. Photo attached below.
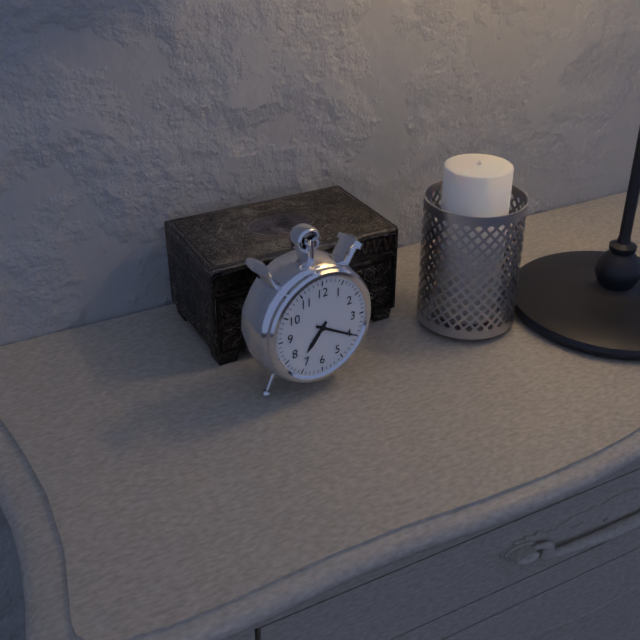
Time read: 7,20
